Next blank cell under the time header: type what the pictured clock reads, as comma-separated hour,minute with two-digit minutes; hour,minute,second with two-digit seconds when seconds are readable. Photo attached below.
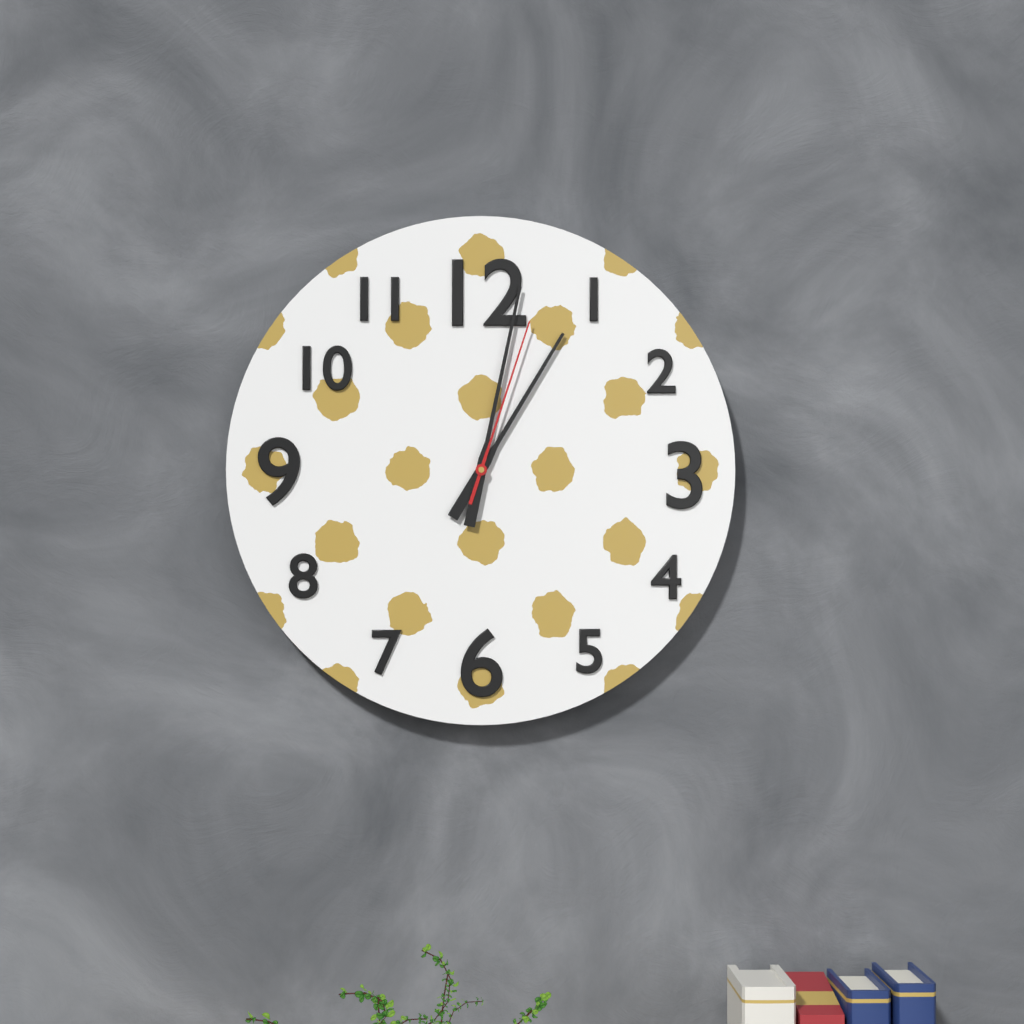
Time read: 1,02,03
